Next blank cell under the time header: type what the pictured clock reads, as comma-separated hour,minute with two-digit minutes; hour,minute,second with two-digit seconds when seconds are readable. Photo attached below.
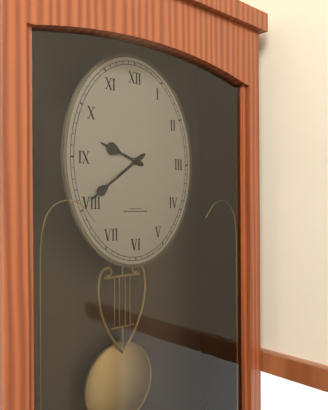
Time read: 9,39
